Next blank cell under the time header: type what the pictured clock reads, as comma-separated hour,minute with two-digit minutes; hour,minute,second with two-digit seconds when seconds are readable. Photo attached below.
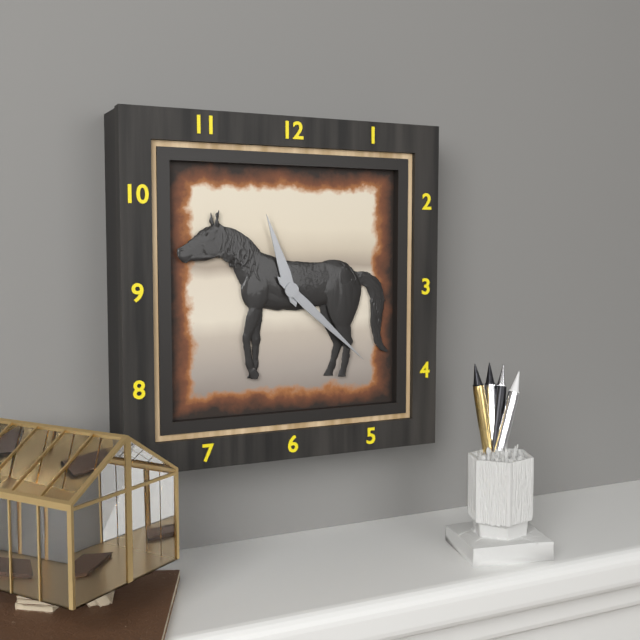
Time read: 11,22
